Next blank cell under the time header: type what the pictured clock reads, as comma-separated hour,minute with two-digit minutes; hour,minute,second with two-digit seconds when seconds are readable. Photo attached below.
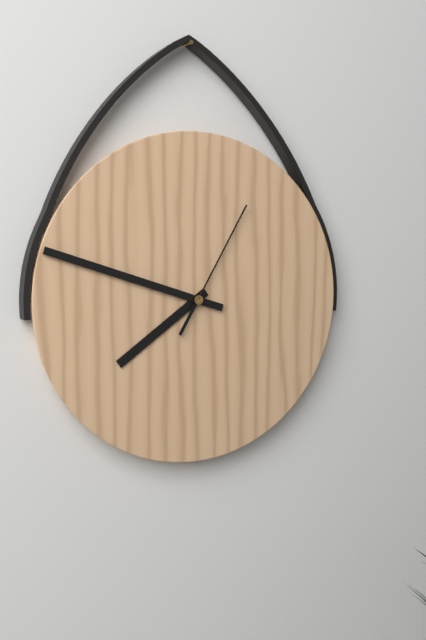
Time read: 7,48,05
